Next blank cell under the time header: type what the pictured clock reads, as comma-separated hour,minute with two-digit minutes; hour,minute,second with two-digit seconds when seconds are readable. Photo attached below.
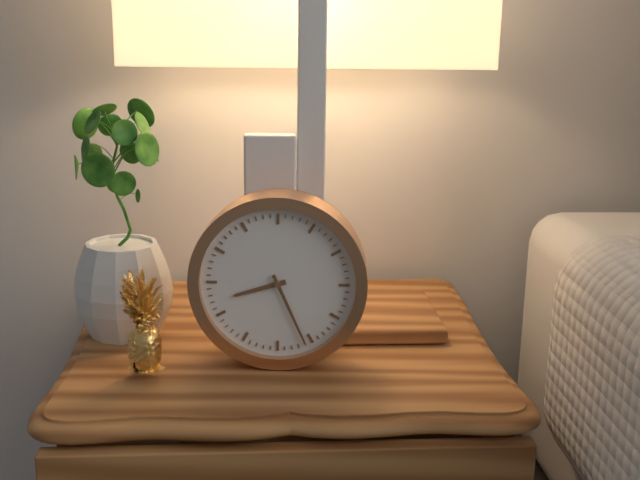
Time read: 8,26
